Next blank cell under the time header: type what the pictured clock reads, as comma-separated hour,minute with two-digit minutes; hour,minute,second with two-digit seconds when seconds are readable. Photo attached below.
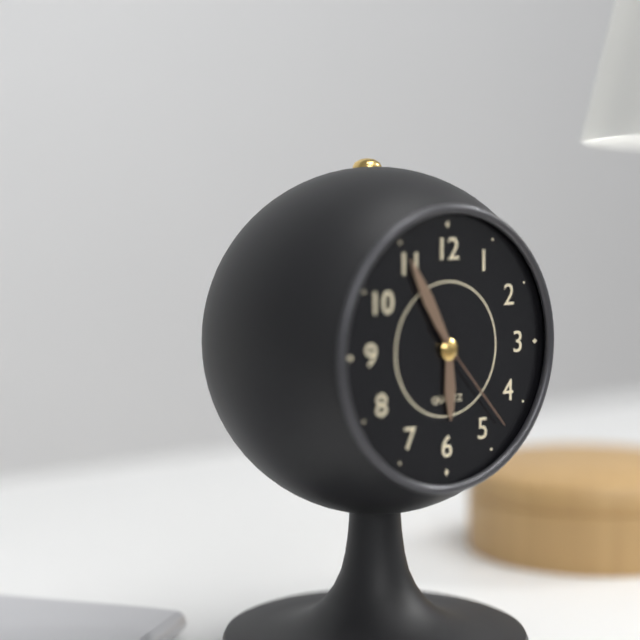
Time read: 5,55,23
